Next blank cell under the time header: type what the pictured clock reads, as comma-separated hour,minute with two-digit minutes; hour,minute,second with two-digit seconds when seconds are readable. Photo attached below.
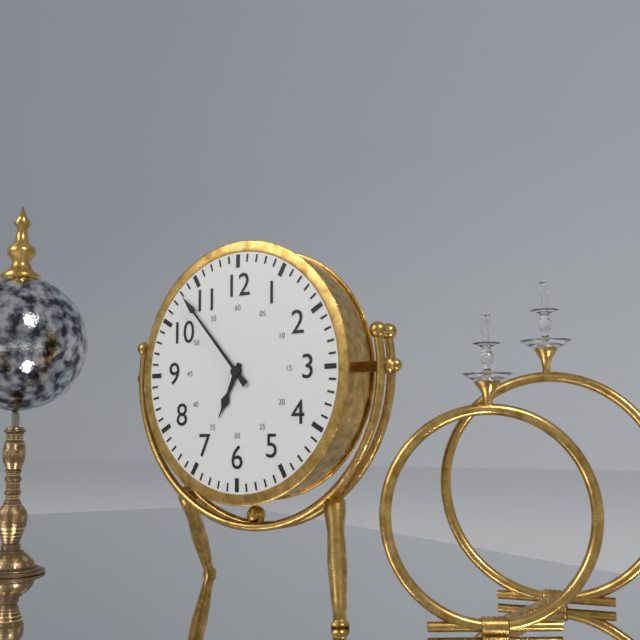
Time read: 6,53
